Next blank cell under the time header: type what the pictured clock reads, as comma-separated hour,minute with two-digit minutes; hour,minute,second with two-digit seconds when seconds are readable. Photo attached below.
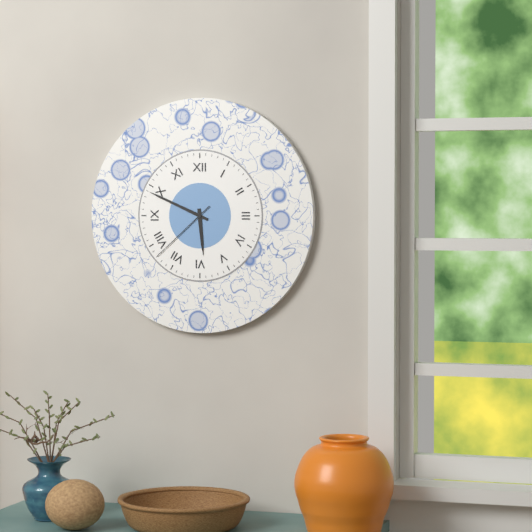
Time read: 5,49,38
